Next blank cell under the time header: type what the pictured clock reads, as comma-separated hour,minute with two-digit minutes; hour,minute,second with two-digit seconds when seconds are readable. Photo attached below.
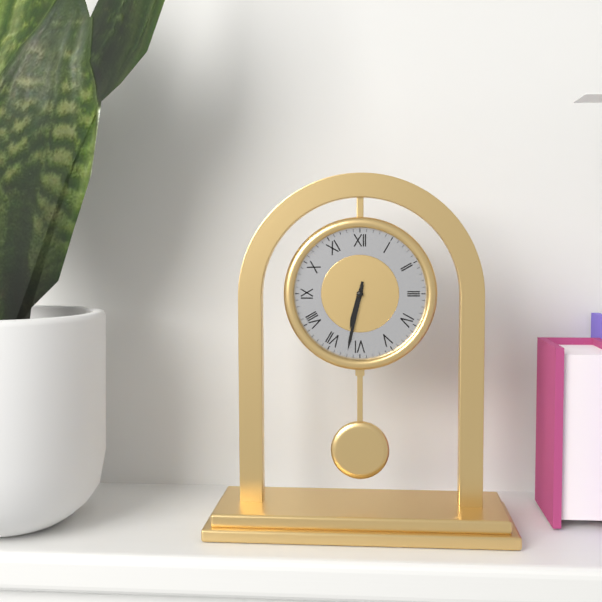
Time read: 6,32
